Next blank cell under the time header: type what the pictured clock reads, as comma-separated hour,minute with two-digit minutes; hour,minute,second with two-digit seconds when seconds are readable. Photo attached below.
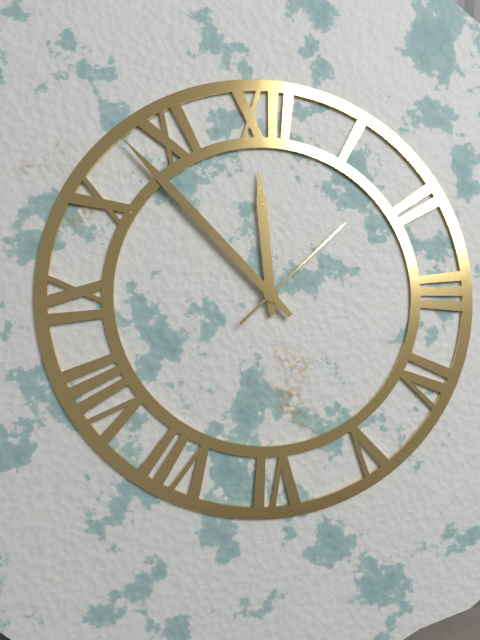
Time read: 11,53,08
